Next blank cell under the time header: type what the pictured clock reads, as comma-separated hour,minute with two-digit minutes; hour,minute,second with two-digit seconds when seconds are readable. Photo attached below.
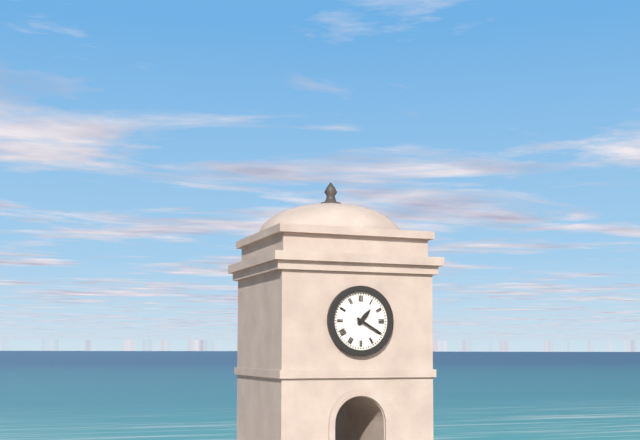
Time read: 1,20
